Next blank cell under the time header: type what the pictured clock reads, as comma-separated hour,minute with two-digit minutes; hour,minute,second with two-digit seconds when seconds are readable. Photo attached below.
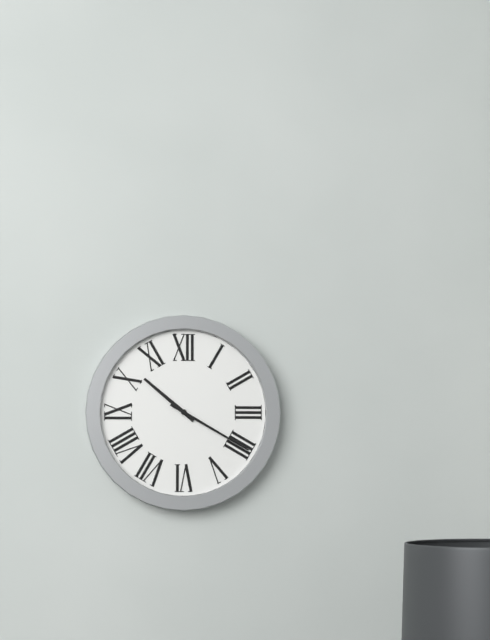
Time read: 10,20
